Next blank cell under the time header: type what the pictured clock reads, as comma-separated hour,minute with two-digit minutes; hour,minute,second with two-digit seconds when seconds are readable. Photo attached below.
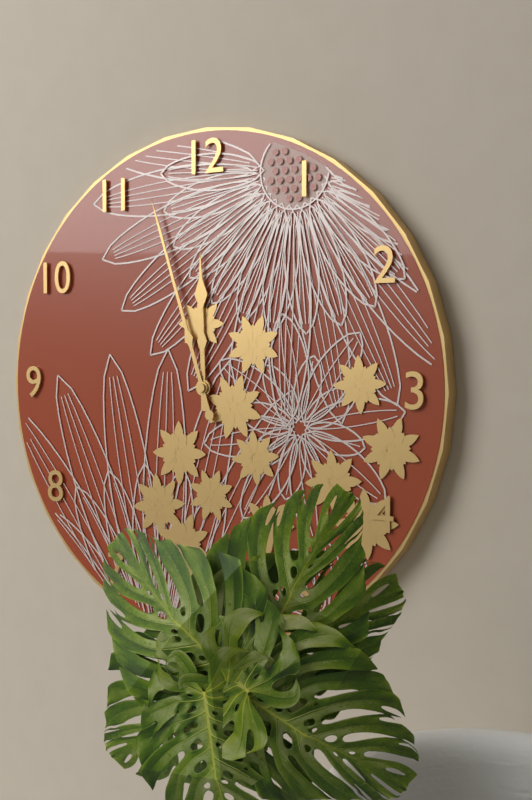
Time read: 11,57
